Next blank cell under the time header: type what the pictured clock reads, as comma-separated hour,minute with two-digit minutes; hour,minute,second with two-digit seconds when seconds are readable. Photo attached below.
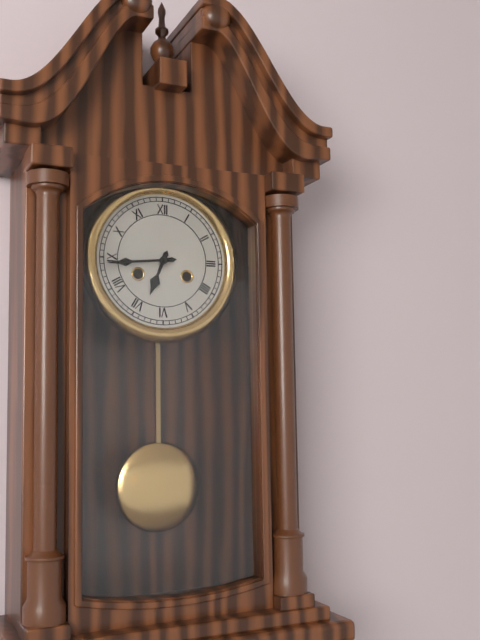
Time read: 6,44
